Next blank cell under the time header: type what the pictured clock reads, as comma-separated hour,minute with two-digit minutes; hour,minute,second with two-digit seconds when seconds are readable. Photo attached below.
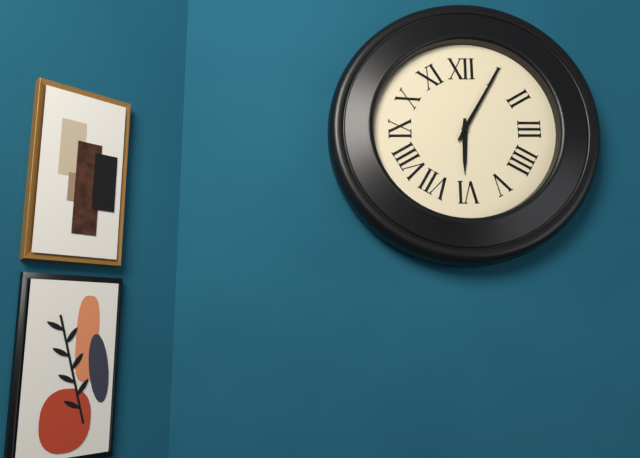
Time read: 6,05
